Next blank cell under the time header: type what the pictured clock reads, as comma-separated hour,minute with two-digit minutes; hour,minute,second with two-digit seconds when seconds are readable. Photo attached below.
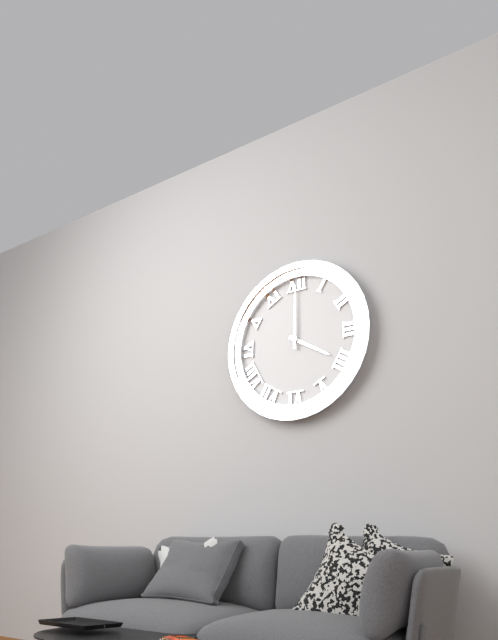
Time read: 4,00
